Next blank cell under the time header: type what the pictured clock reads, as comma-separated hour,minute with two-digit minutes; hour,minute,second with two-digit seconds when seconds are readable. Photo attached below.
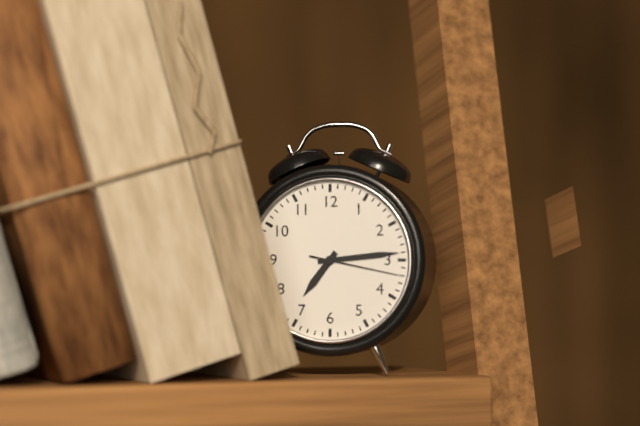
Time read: 7,14,17
